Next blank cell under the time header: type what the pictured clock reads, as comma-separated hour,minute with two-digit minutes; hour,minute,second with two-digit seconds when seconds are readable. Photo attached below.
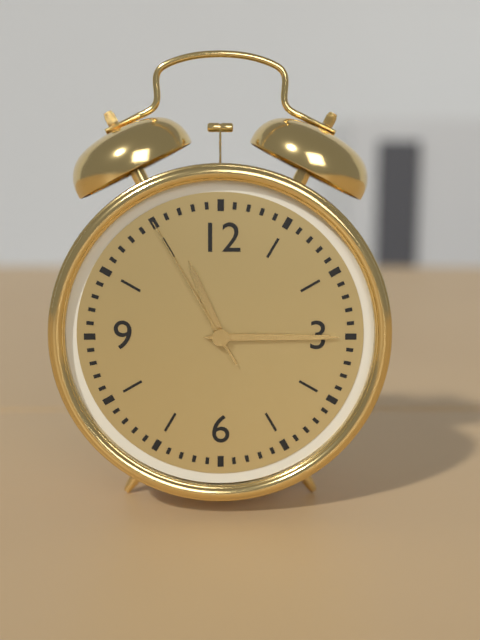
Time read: 11,15,55
